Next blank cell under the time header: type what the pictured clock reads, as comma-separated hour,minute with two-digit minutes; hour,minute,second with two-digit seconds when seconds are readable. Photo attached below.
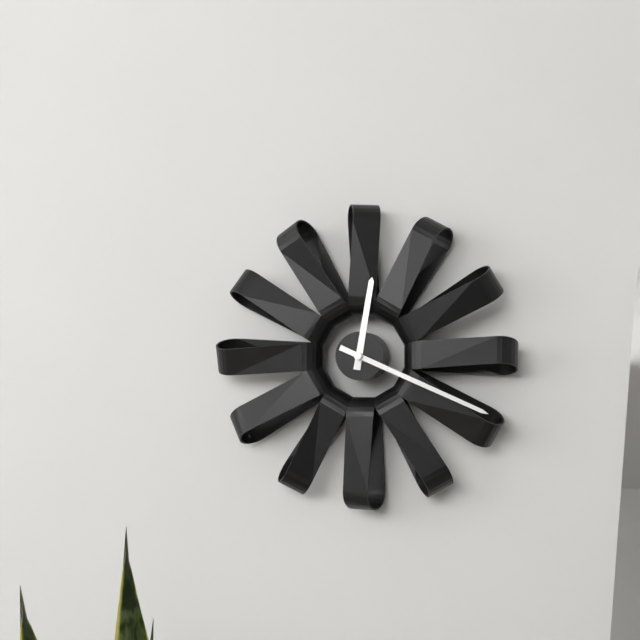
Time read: 12,19
